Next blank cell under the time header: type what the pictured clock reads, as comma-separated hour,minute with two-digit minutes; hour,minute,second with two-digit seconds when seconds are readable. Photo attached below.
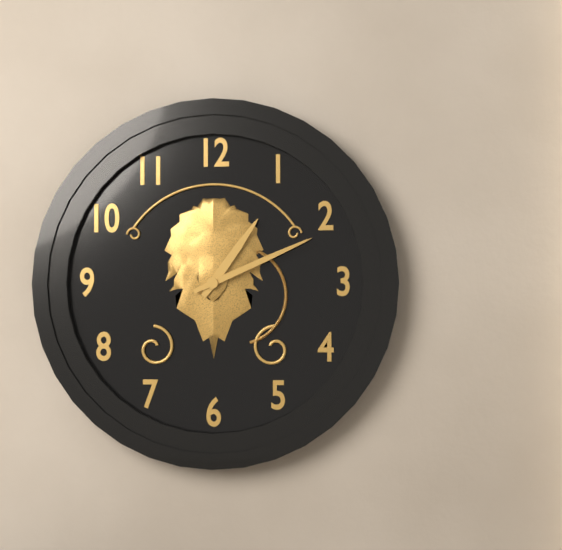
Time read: 1,11
